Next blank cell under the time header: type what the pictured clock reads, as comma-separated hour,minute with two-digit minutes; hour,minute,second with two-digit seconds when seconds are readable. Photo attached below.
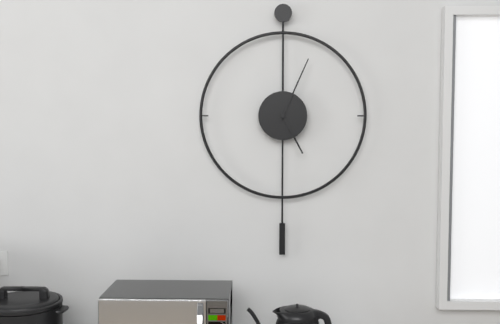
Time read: 5,04
